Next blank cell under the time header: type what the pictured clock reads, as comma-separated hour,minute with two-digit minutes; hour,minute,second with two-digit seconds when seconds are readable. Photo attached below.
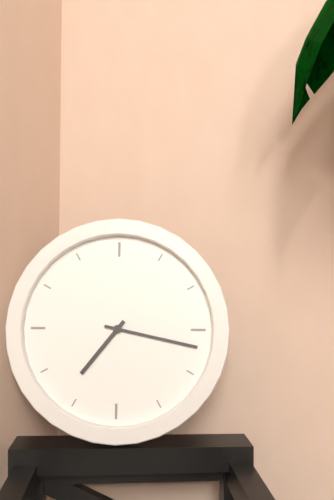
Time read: 7,17
